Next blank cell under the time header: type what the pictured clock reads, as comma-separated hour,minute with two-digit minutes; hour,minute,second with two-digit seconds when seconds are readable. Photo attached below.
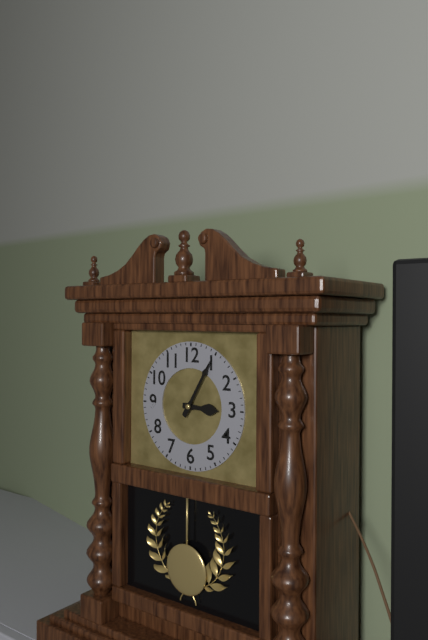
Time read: 3,05
